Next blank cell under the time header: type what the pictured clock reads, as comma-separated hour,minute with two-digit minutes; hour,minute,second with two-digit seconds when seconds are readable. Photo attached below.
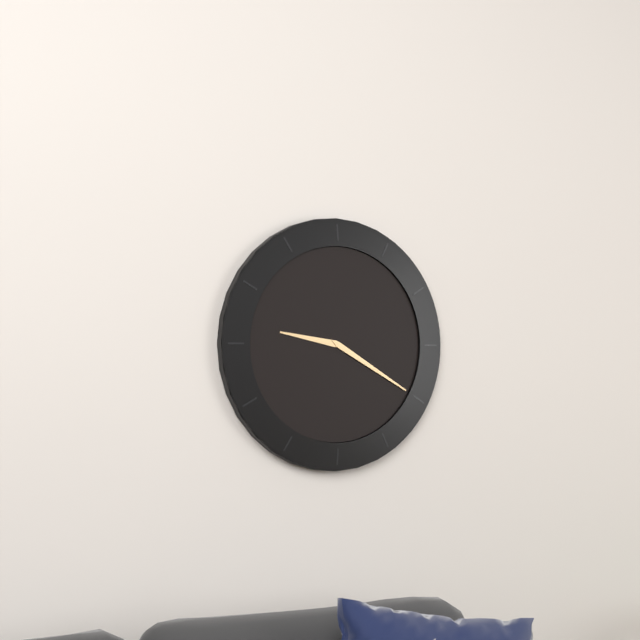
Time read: 9,20
